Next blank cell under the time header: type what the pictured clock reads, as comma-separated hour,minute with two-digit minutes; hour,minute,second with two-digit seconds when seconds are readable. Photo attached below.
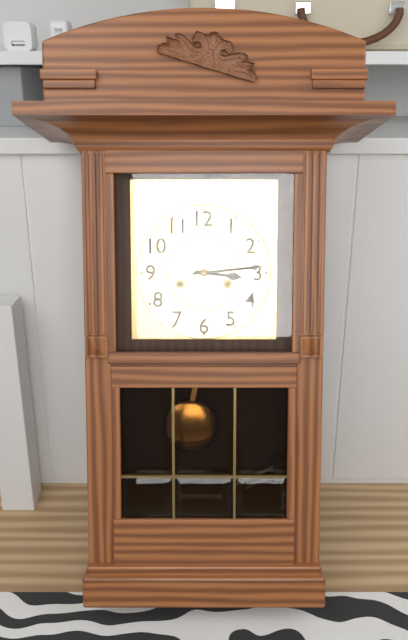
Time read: 3,14
